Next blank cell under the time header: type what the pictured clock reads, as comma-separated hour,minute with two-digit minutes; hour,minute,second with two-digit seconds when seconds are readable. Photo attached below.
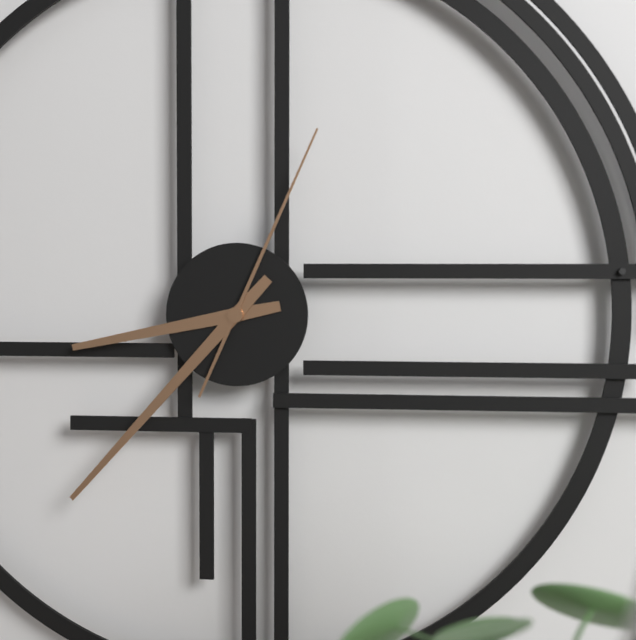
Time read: 8,37,04
